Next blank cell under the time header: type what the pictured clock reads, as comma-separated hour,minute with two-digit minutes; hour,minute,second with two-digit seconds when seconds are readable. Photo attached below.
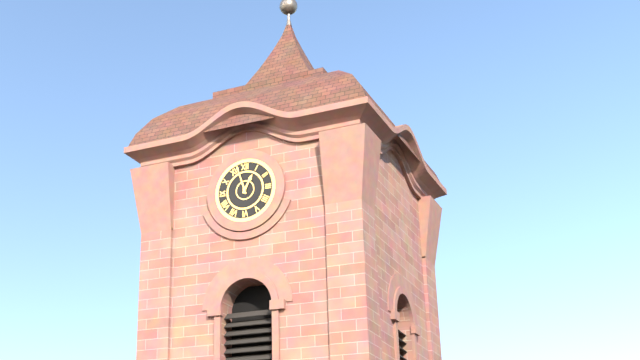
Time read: 12,57
